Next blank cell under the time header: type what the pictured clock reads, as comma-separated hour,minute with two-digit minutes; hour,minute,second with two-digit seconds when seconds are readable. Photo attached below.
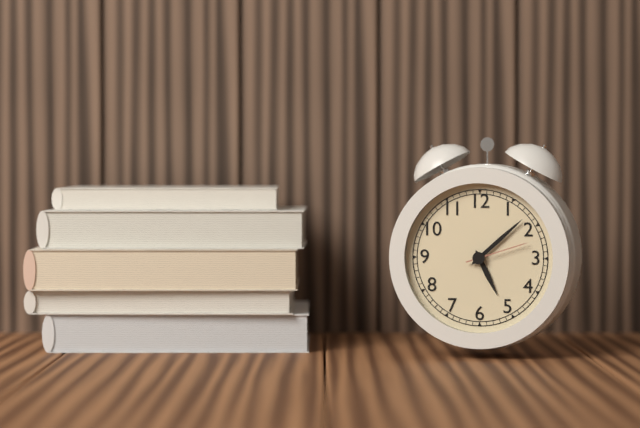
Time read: 5,08,12
